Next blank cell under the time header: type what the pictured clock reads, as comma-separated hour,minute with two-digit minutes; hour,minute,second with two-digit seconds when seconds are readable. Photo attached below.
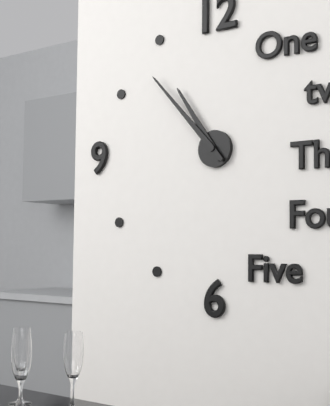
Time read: 10,53
